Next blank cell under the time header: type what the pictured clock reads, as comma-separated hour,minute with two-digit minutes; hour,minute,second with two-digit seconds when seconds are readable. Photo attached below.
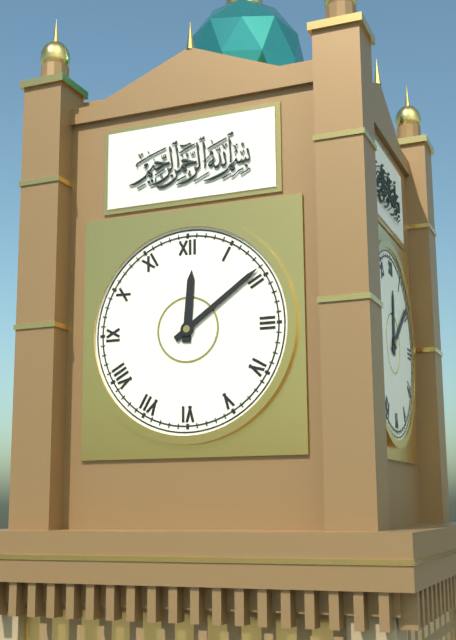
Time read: 12,09
